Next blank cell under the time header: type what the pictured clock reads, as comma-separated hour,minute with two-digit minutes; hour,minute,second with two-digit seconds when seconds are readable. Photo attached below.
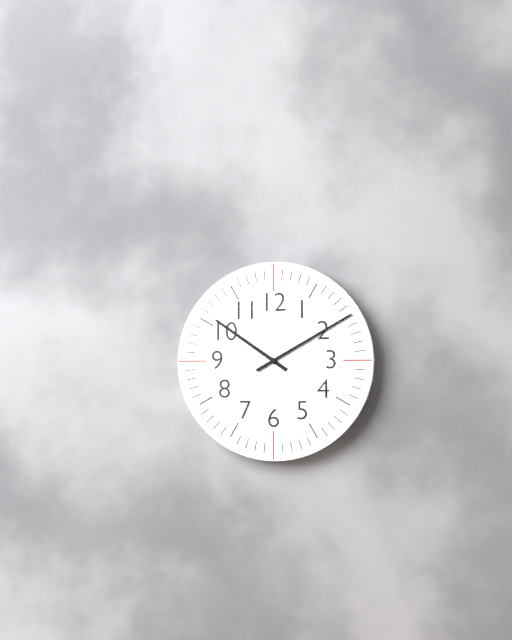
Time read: 10,10
